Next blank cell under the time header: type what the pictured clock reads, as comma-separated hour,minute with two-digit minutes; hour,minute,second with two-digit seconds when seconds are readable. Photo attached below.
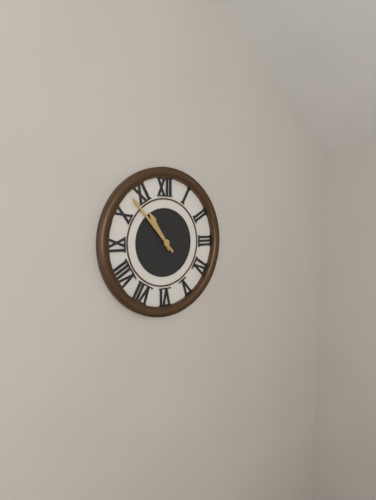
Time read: 10,53
